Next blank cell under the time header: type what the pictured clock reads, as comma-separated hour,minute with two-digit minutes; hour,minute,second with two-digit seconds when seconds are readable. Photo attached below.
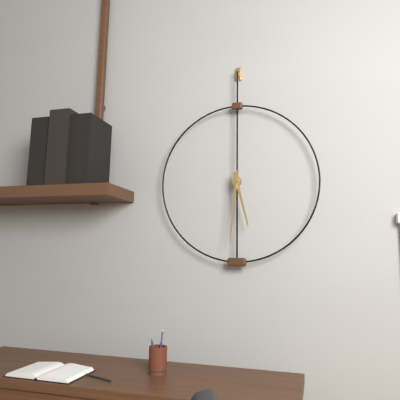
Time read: 5,31
